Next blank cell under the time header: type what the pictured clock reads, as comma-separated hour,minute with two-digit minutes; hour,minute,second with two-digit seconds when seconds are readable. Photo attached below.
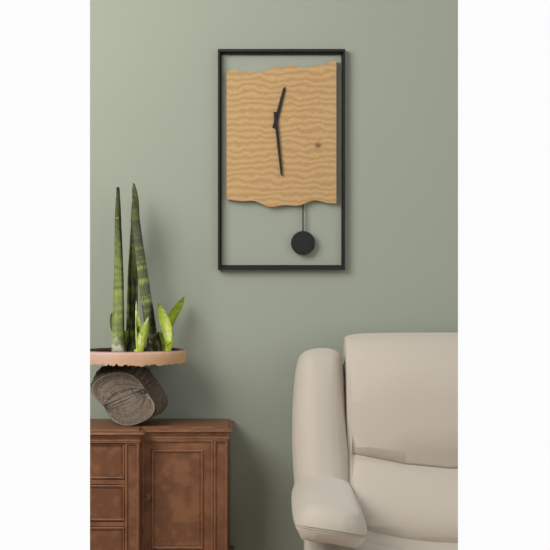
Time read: 12,29
